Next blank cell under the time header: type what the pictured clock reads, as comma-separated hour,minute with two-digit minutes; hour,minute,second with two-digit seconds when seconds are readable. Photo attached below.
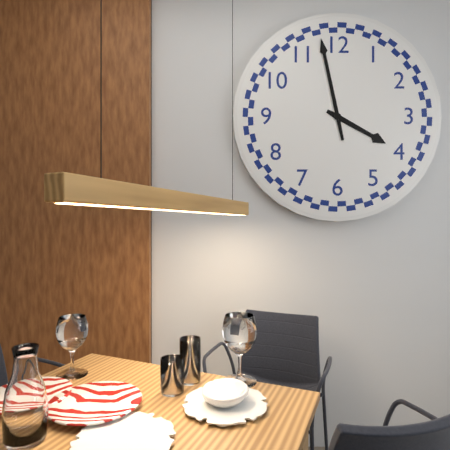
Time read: 3,58
